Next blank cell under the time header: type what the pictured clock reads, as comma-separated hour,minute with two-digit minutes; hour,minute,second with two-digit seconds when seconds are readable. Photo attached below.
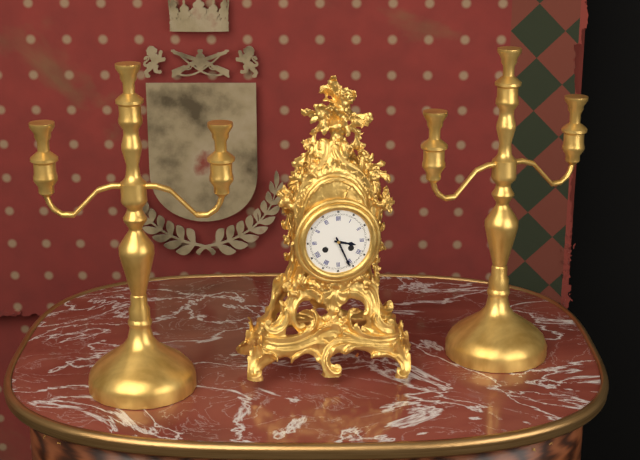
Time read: 3,26
